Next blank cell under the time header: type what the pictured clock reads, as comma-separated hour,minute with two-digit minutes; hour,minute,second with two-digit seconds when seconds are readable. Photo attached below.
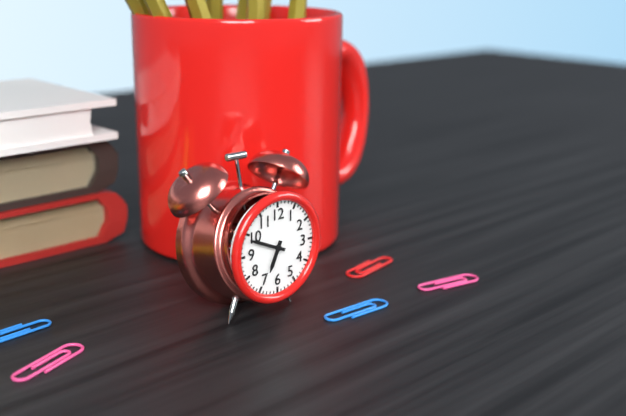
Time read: 6,49
